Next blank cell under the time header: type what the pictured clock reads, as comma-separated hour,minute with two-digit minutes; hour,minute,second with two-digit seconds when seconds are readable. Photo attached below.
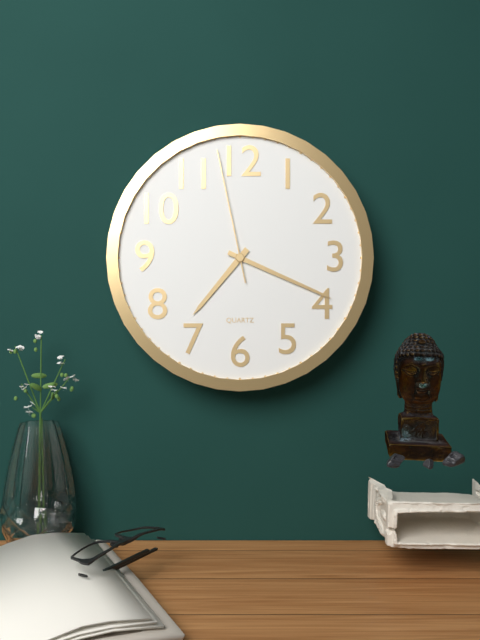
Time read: 7,19,58
